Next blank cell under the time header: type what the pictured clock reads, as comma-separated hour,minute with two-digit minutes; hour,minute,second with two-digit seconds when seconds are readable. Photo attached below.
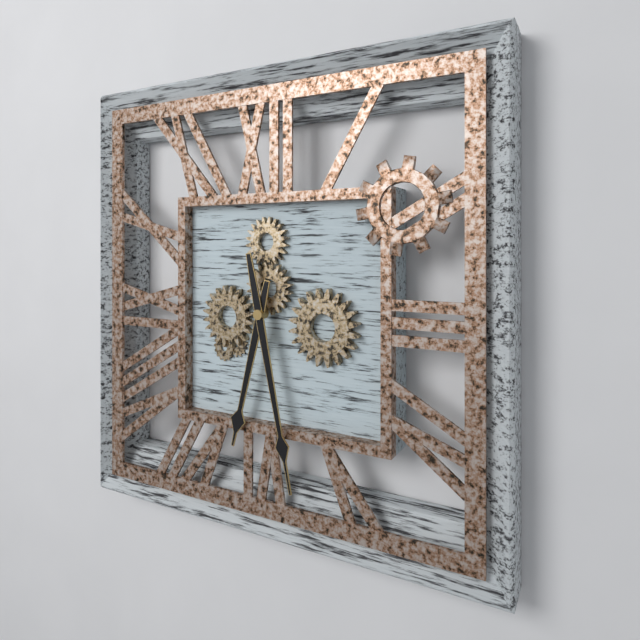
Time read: 6,28
